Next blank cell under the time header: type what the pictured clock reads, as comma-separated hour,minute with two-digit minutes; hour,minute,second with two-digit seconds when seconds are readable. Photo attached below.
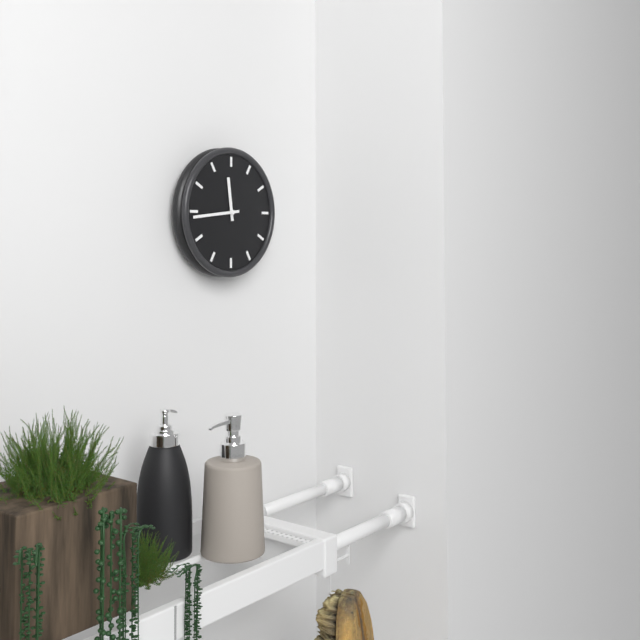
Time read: 11,44
